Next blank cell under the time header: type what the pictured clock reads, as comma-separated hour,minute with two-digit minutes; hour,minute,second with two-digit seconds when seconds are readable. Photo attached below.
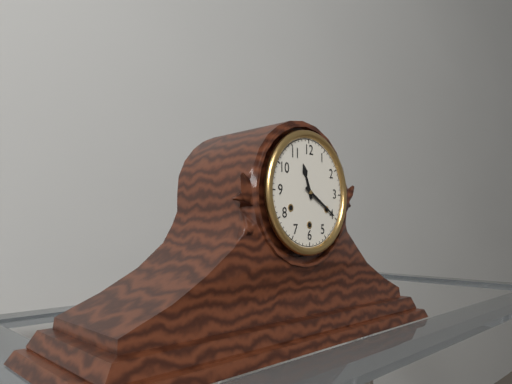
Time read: 11,20
